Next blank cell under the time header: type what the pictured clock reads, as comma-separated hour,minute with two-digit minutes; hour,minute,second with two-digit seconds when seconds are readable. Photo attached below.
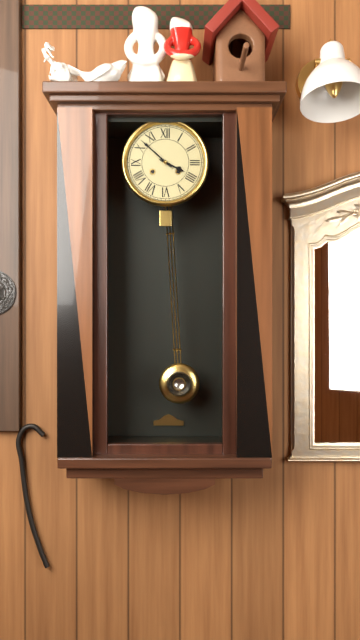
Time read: 3,52
